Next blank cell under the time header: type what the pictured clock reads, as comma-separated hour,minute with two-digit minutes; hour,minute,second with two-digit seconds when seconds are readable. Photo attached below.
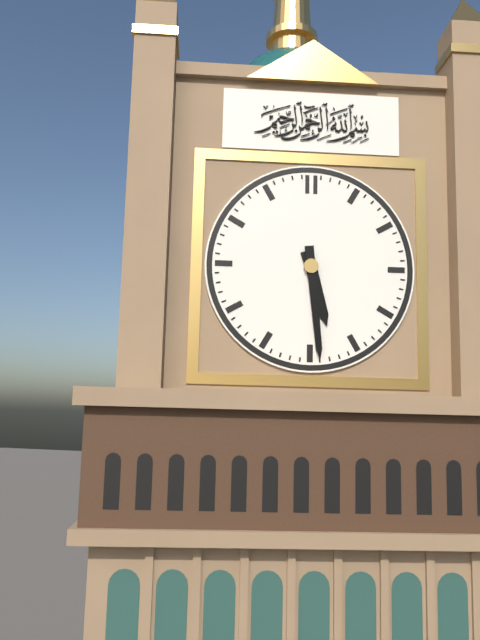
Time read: 5,29
